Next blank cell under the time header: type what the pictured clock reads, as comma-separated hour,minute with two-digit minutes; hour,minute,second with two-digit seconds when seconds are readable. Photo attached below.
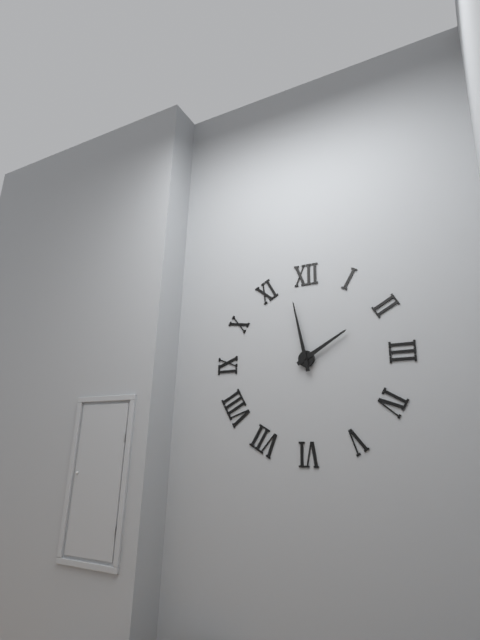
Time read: 1,58
